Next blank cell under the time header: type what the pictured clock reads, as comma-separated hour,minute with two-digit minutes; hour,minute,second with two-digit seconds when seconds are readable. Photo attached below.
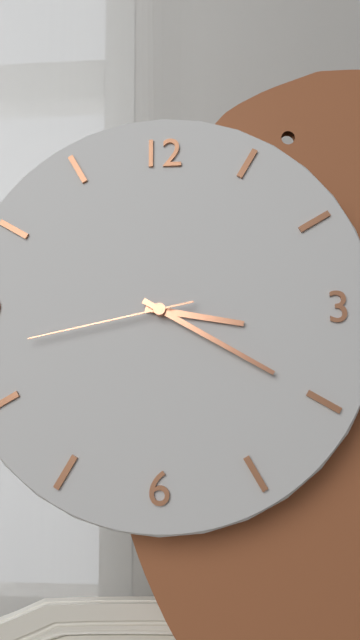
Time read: 3,20,43
